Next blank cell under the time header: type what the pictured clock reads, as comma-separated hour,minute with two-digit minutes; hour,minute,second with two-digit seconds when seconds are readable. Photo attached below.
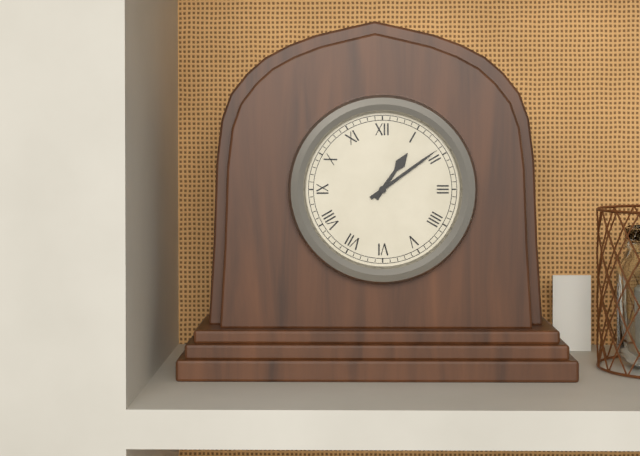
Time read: 1,09
